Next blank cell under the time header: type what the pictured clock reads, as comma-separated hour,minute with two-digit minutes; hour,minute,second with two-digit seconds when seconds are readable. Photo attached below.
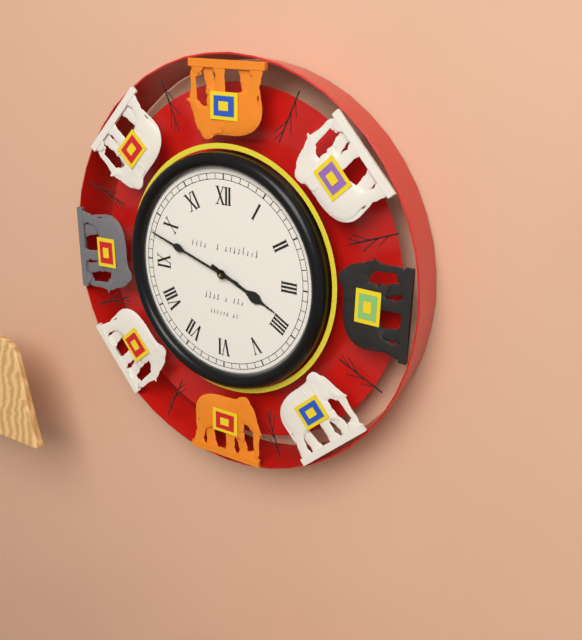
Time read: 3,48
